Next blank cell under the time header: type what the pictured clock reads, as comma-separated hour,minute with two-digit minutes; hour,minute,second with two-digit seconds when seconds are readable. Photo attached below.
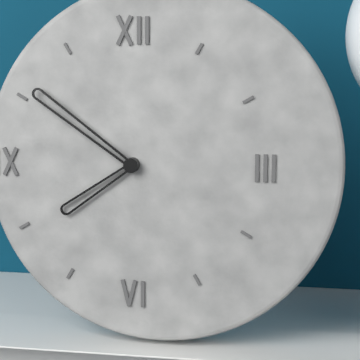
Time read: 7,51
